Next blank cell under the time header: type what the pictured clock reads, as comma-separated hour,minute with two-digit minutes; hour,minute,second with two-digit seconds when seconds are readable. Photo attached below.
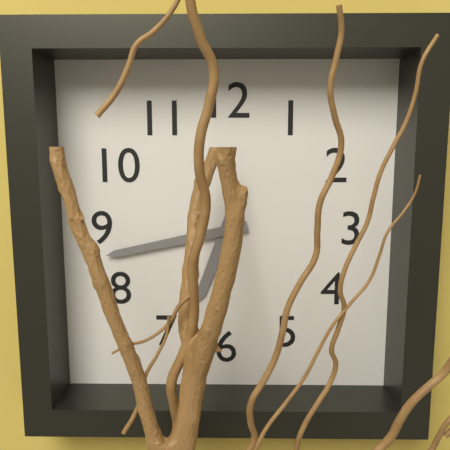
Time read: 6,43
